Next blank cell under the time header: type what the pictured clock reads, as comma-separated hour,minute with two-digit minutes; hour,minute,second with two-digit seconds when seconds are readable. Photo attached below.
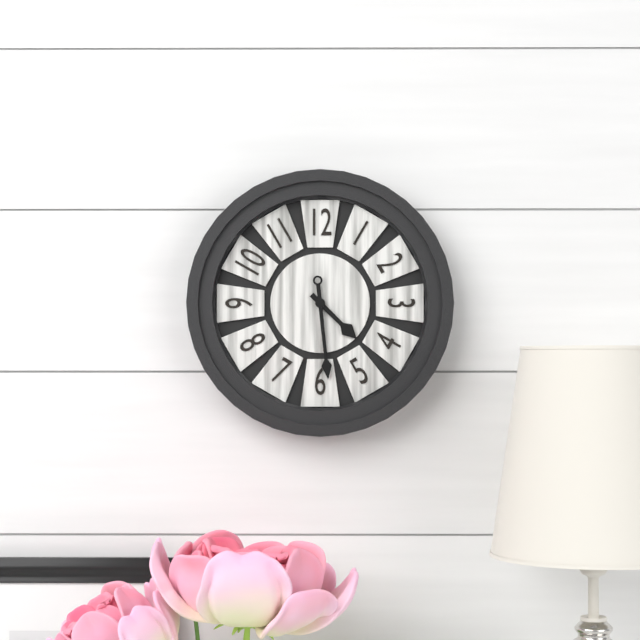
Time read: 4,29
